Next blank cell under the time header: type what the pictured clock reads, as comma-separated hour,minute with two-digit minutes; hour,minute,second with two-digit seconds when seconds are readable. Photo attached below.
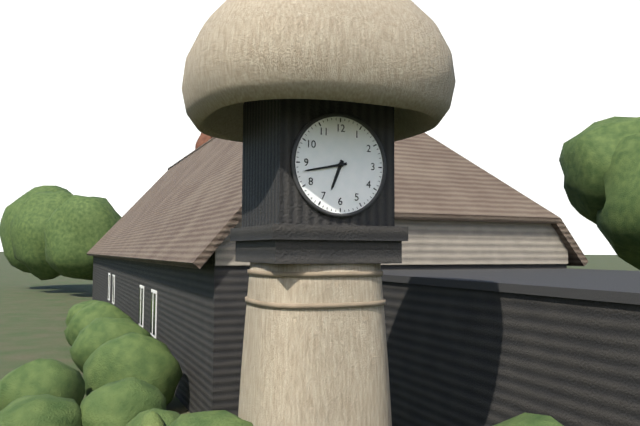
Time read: 6,43
